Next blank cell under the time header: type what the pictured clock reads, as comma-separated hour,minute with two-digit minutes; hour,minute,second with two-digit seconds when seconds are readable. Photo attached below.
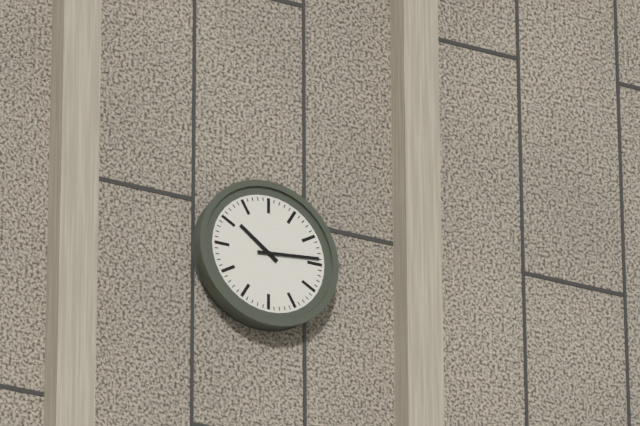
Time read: 10,14
